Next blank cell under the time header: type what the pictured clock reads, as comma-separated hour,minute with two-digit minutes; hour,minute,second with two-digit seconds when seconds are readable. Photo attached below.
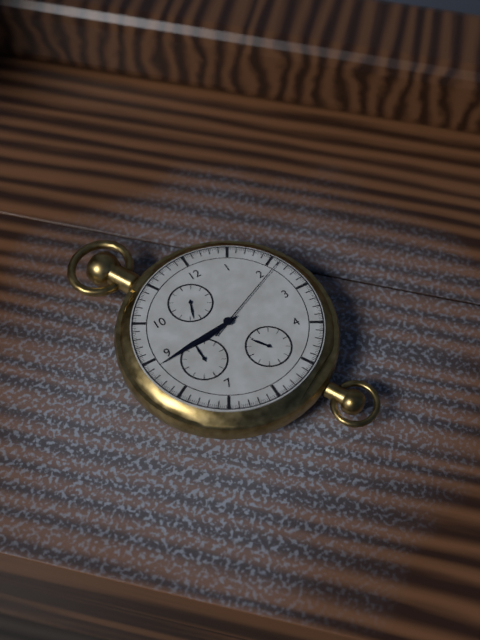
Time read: 8,44,11
